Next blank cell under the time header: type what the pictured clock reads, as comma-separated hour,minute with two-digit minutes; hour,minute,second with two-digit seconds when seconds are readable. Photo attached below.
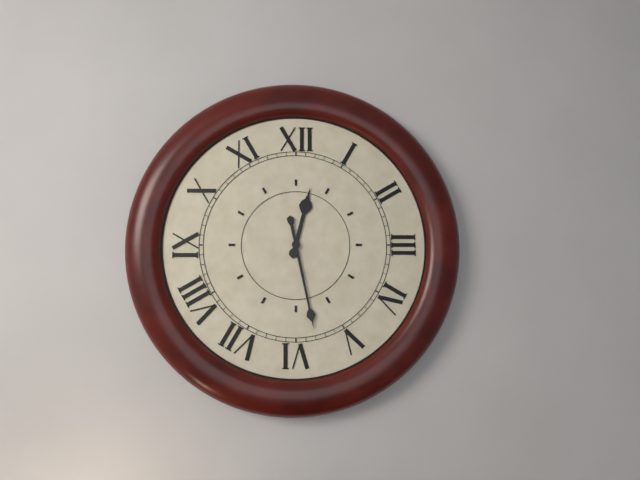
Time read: 12,28
